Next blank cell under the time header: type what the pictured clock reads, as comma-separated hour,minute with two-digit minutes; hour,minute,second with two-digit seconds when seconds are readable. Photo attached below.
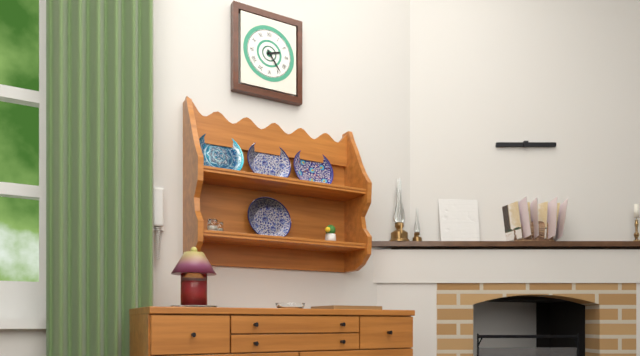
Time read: 2,24
